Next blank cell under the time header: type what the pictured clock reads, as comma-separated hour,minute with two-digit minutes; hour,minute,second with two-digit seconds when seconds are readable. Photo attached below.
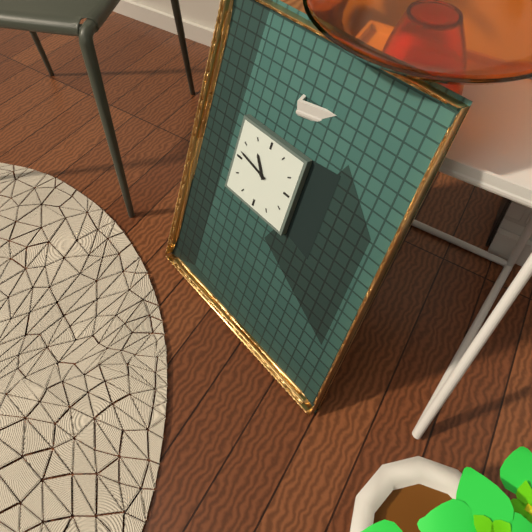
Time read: 10,47
